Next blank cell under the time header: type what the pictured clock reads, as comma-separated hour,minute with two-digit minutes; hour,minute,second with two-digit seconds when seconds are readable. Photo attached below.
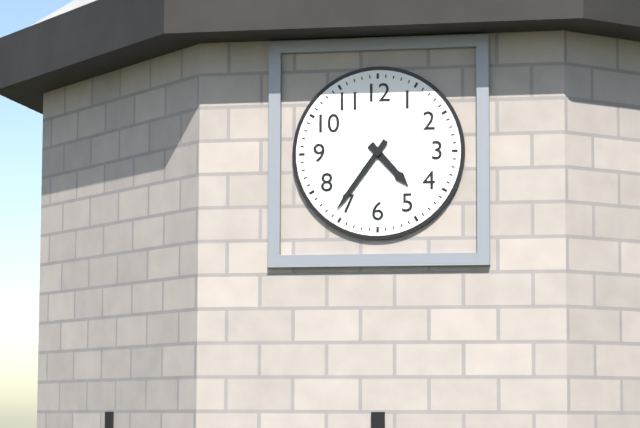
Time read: 4,36
